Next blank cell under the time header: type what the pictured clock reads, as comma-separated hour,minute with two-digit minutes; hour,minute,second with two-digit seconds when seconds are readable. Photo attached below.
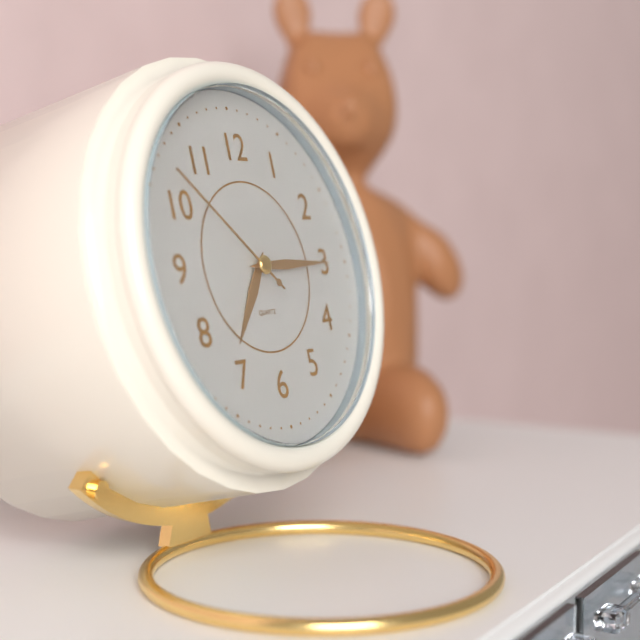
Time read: 7,15,52
